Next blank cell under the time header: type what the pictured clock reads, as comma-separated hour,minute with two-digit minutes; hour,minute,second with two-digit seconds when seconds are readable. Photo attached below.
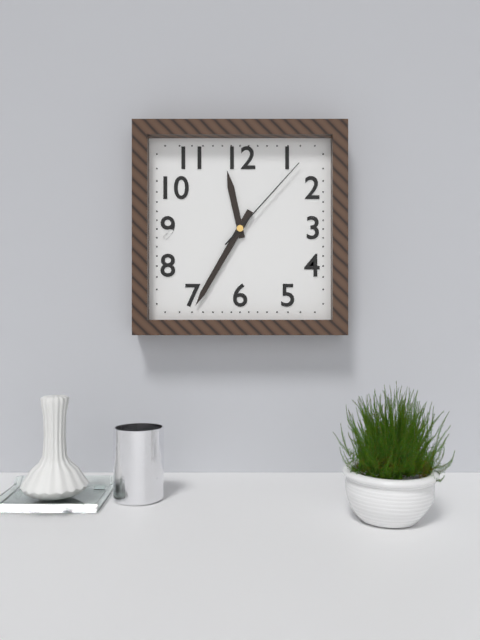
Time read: 11,35,07
